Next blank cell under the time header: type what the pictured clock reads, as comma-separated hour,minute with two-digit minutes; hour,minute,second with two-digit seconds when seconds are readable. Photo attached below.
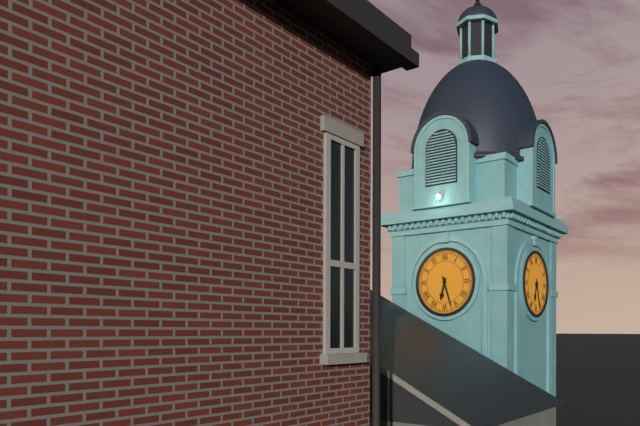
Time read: 6,27
